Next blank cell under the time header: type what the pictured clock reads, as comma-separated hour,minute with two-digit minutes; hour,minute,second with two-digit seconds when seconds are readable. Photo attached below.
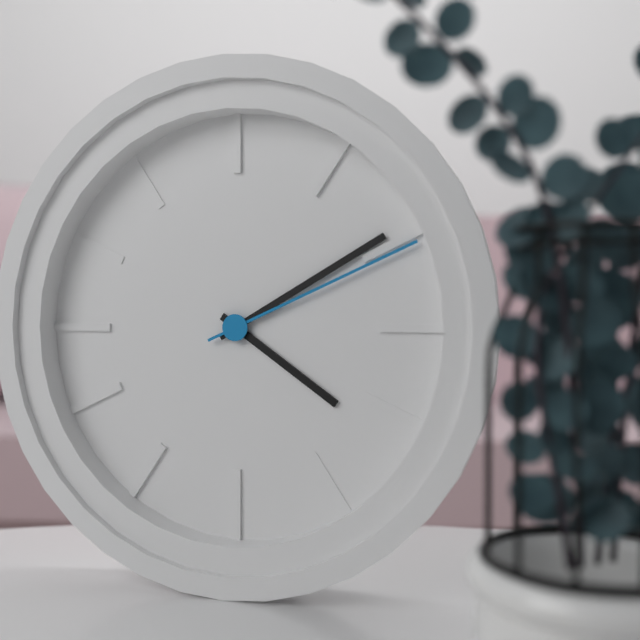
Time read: 4,10,11
